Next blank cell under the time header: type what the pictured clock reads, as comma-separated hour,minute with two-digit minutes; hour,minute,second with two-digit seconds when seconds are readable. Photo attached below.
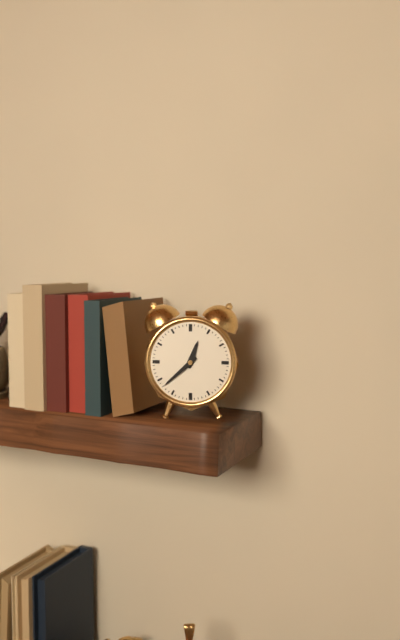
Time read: 12,38
